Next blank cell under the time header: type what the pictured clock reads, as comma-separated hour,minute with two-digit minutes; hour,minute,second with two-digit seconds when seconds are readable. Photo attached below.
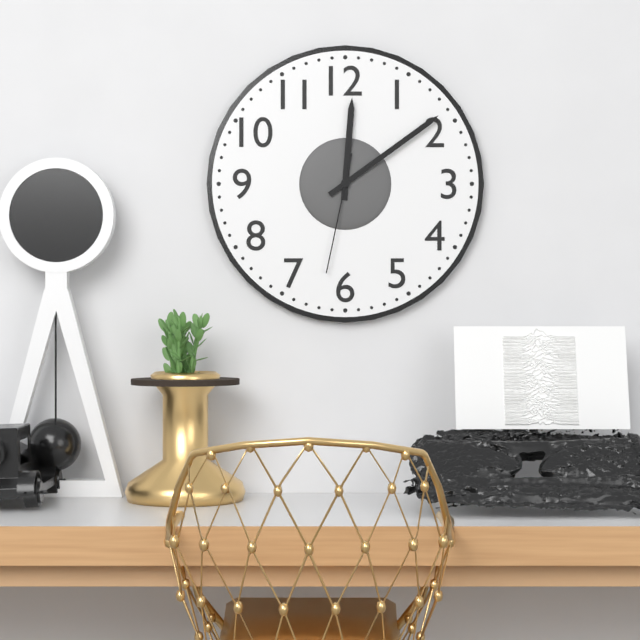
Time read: 12,09,32
